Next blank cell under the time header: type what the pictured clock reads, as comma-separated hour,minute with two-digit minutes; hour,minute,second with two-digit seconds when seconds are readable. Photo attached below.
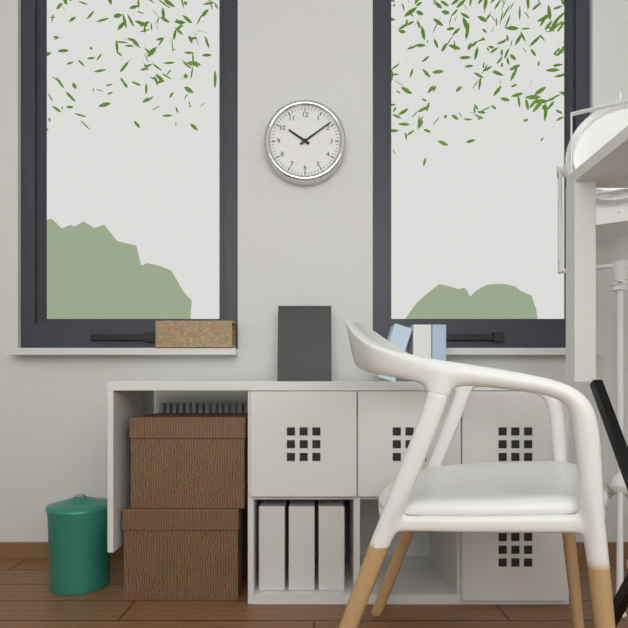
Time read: 10,09
